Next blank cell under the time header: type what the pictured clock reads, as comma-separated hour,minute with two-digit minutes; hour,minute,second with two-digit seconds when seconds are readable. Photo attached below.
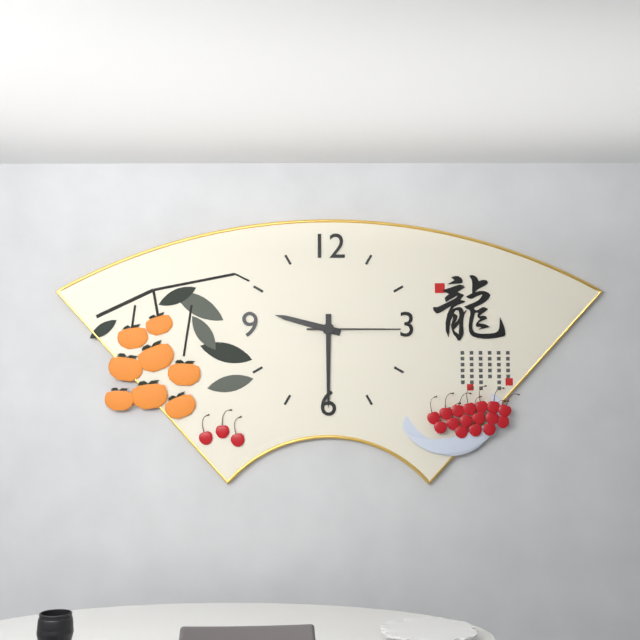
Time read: 9,30,15
